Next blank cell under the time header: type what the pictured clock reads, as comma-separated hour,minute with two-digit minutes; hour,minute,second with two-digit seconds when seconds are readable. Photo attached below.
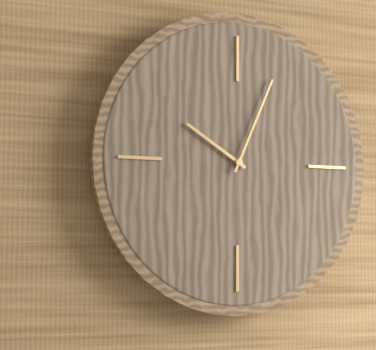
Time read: 10,04
